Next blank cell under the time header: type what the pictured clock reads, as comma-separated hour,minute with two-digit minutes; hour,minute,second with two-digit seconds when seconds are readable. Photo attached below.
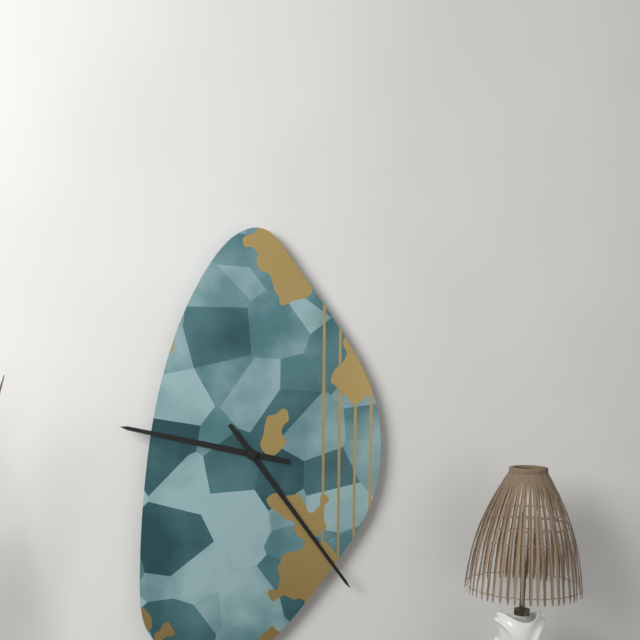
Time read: 9,24
